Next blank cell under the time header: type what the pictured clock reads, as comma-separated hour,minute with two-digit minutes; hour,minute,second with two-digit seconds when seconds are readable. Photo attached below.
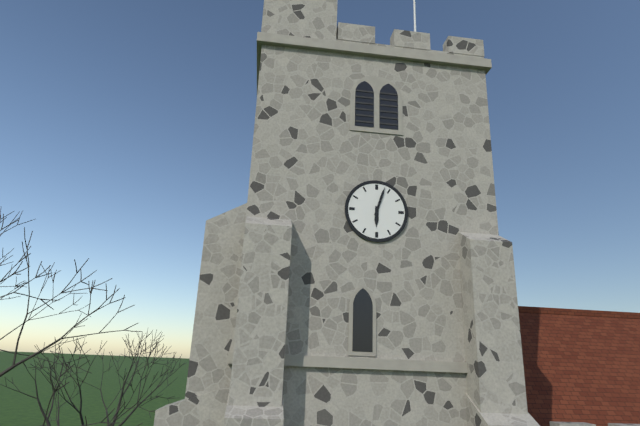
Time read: 6,03
